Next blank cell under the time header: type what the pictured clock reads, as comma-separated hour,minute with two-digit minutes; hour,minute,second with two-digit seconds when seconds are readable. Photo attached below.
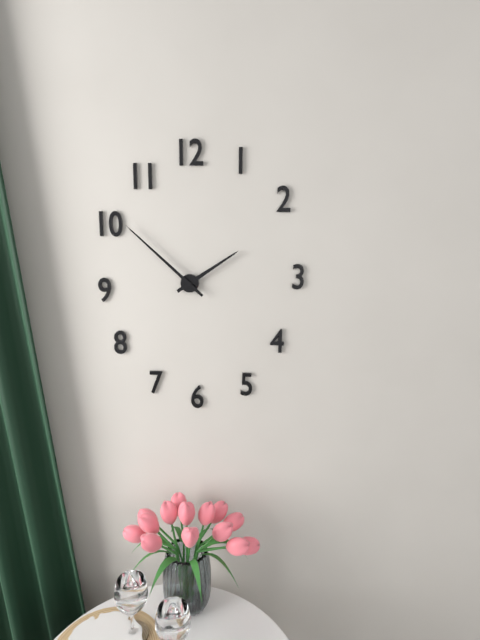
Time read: 1,52
